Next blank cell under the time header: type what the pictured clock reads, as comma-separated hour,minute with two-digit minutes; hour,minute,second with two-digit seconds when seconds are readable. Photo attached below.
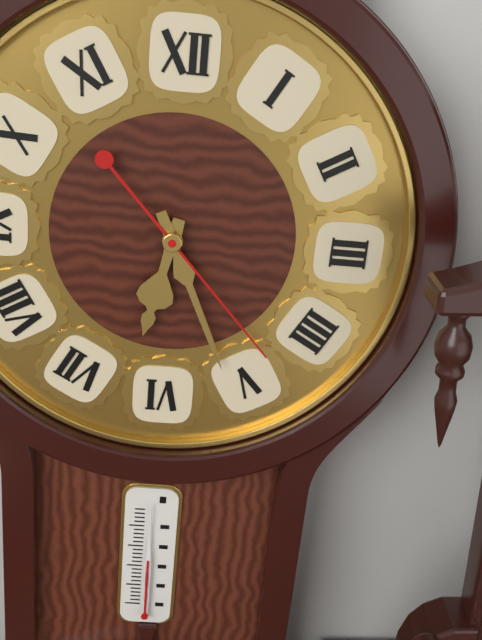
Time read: 6,26,23
